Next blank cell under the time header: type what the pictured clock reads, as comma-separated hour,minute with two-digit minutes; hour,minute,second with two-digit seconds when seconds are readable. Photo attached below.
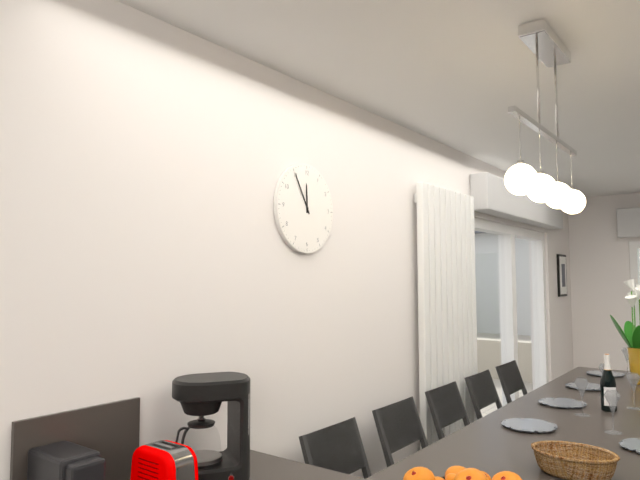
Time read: 11,55
